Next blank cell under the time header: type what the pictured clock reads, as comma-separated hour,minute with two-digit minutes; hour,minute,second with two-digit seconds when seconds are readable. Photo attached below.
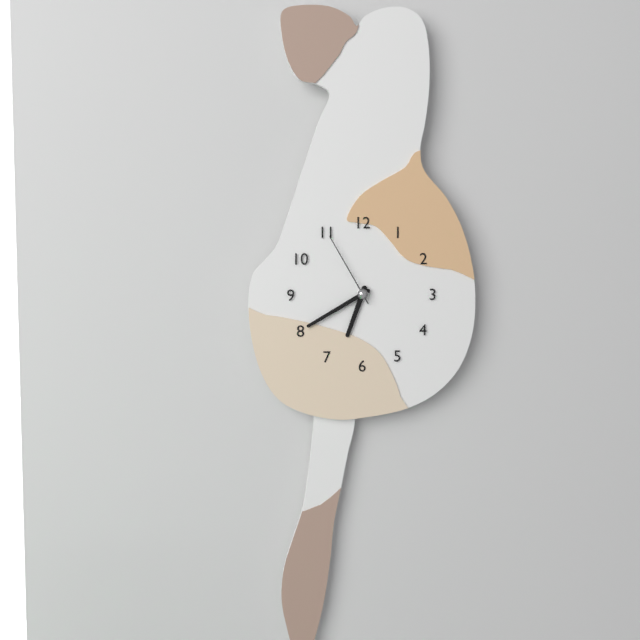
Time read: 6,40,55
